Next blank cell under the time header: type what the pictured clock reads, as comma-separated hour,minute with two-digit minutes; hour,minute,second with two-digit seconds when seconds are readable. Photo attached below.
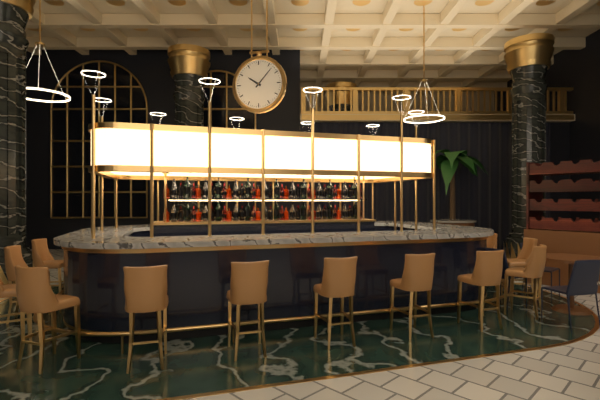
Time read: 10,07
